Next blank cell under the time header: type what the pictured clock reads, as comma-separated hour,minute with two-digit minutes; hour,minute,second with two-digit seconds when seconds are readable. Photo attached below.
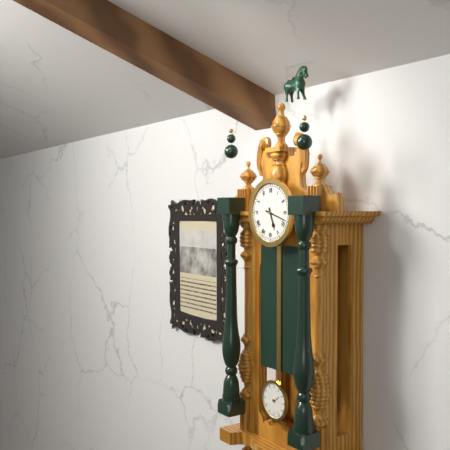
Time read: 5,18
